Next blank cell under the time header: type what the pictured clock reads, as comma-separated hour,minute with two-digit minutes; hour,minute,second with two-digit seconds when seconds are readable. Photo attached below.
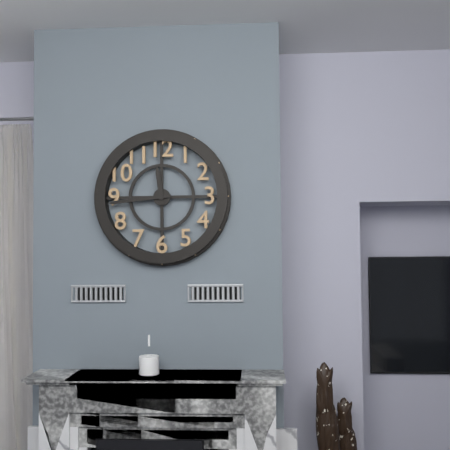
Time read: 11,44
